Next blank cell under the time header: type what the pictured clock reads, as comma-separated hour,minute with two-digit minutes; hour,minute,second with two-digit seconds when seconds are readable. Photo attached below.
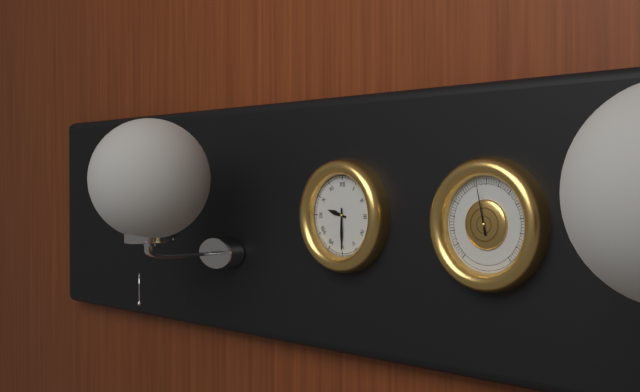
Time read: 9,30
